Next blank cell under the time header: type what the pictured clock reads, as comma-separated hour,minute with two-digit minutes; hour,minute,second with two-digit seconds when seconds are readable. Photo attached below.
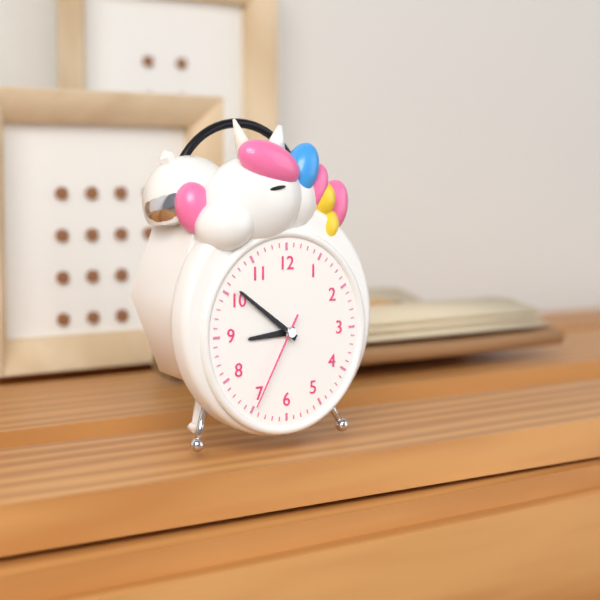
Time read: 8,51,35
